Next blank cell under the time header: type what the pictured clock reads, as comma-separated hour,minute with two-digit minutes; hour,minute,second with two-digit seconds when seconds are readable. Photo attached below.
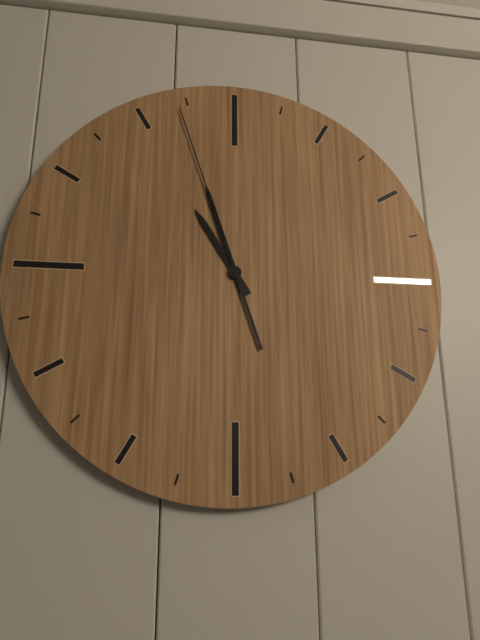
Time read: 10,57,57
